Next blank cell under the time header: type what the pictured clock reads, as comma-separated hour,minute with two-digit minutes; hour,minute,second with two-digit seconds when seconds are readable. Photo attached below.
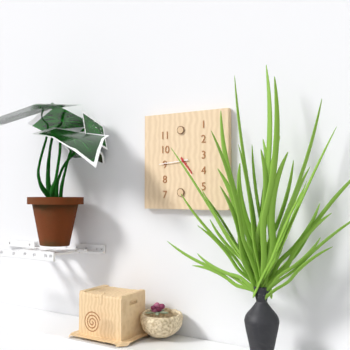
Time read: 4,44
